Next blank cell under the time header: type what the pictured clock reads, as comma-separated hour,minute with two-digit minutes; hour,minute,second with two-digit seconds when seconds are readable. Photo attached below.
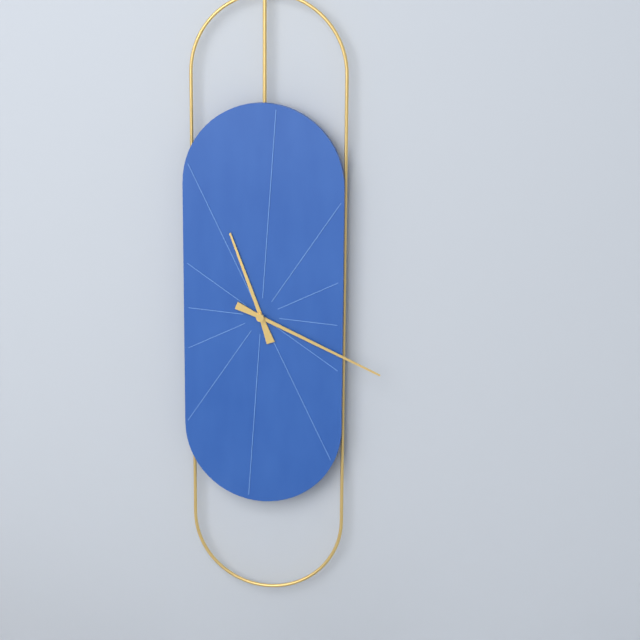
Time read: 11,19
